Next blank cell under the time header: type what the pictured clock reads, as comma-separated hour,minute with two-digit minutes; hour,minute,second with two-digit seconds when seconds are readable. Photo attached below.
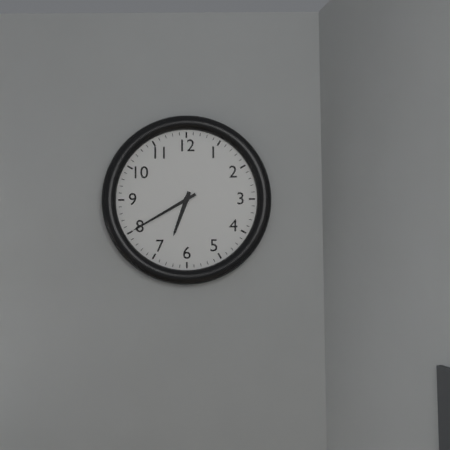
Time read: 6,40
